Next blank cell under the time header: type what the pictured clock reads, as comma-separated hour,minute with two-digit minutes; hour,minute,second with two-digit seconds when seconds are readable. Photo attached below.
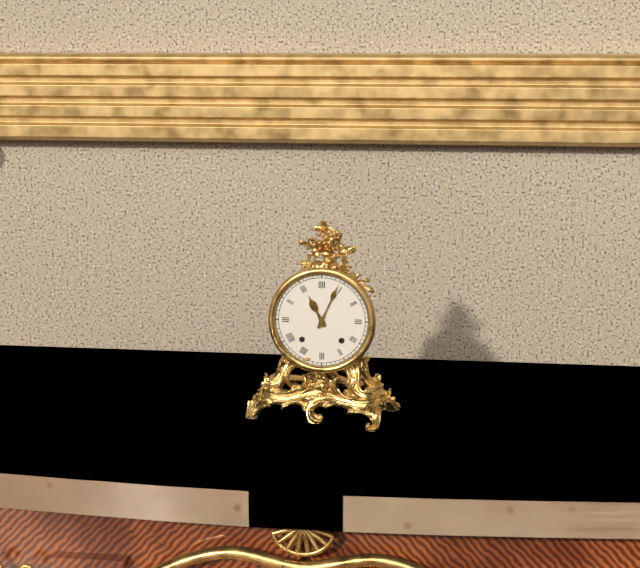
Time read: 11,04
